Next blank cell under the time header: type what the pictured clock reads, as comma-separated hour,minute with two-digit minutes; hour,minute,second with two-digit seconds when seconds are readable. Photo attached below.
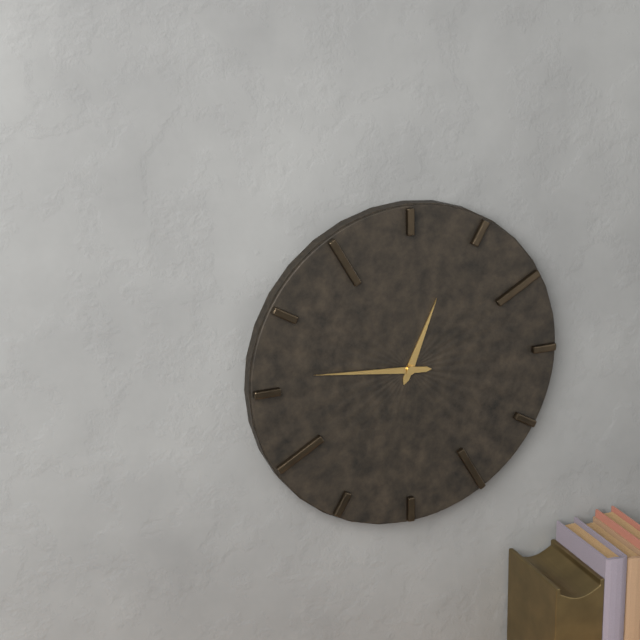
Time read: 12,46
